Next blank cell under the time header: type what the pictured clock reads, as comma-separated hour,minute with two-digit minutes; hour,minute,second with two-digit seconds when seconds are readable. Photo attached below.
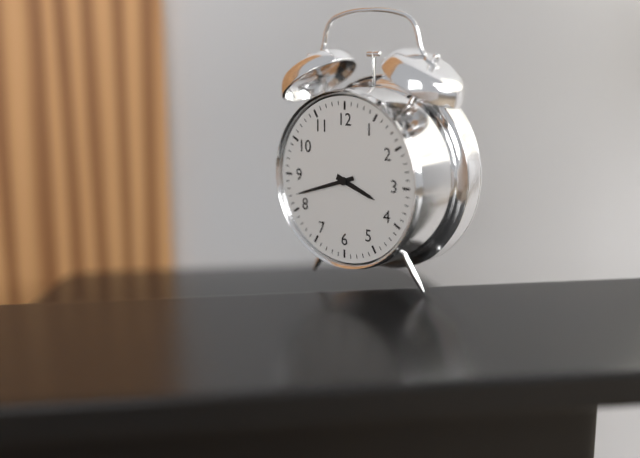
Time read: 3,42
